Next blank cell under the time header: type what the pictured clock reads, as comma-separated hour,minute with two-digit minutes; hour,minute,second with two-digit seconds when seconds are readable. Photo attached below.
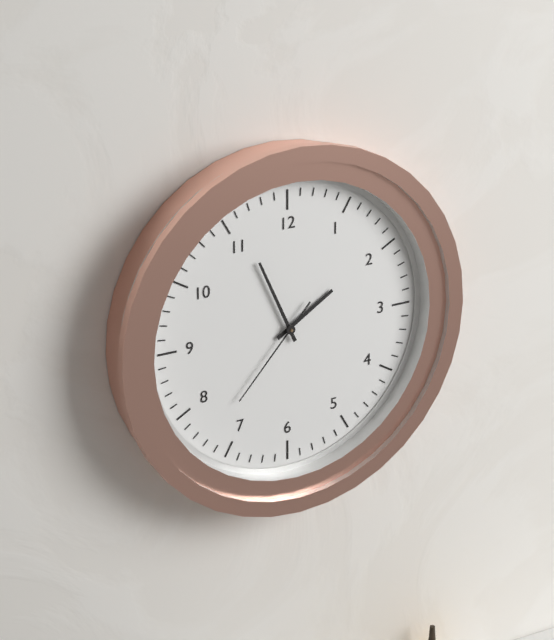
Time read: 1,56,37
